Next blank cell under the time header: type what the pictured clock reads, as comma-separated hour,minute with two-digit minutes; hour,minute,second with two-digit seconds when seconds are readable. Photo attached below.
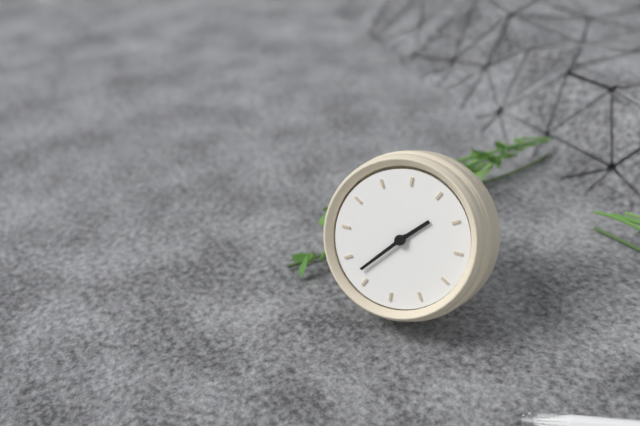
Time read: 12,32
